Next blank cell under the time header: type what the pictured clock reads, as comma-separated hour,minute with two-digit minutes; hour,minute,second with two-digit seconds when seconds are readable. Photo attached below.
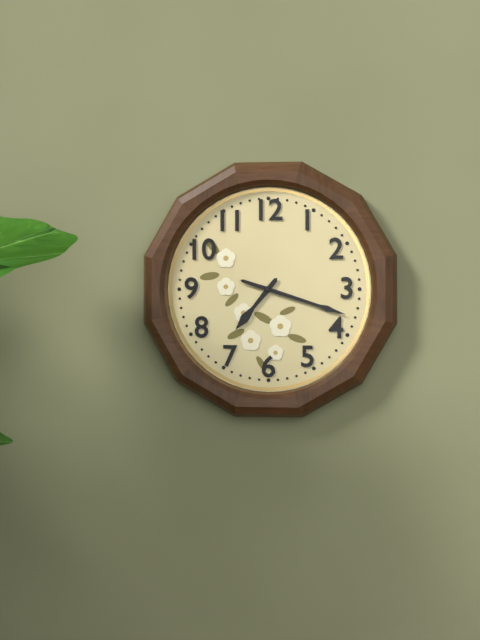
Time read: 7,18
